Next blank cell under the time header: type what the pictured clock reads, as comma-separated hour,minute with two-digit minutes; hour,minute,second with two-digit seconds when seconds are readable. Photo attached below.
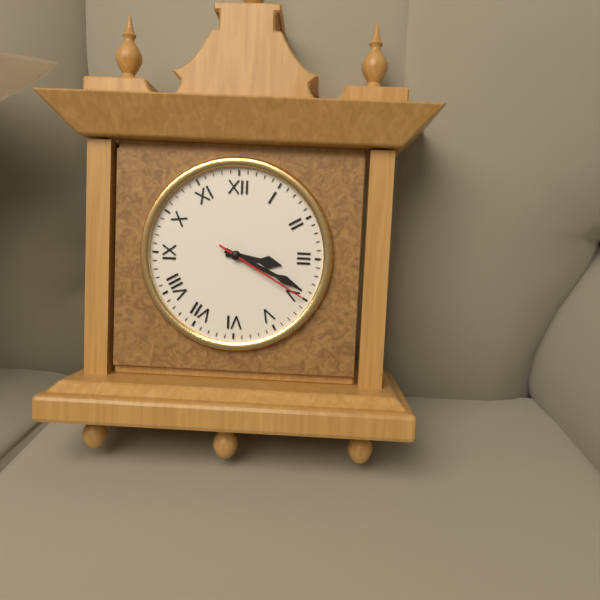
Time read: 3,19,20
